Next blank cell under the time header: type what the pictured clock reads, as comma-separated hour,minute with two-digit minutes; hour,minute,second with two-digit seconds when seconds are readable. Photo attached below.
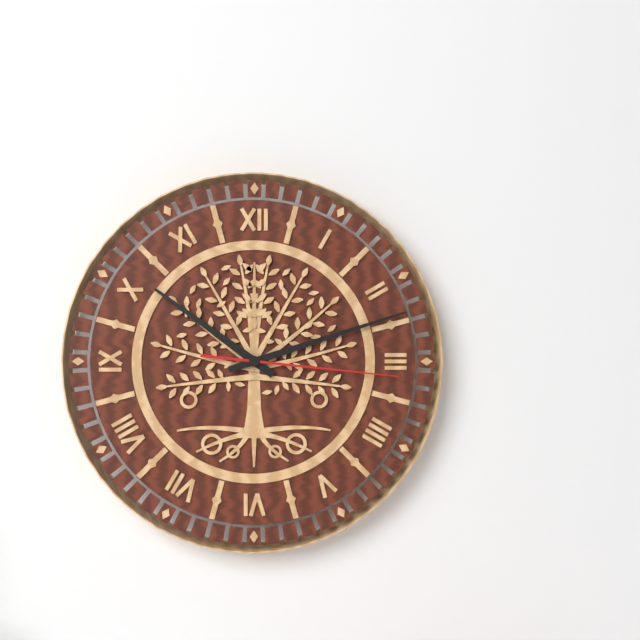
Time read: 10,12,16
